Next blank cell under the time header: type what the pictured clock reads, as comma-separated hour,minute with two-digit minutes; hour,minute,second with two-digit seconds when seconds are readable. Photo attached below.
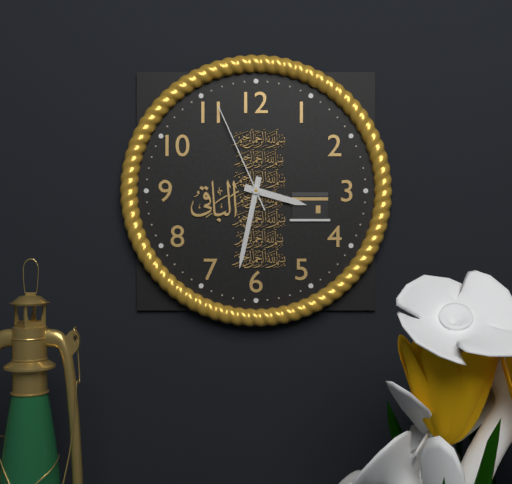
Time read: 3,32,56
